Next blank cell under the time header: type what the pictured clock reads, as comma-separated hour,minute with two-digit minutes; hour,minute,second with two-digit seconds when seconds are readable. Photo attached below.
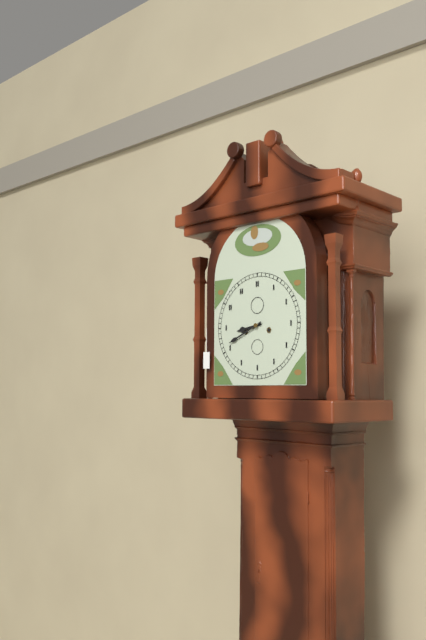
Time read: 8,41
